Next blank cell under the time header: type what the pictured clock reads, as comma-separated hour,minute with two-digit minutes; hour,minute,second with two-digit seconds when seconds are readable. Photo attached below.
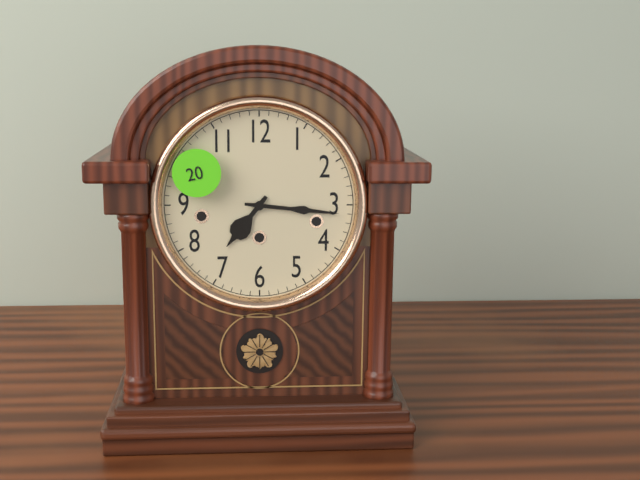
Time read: 7,16
